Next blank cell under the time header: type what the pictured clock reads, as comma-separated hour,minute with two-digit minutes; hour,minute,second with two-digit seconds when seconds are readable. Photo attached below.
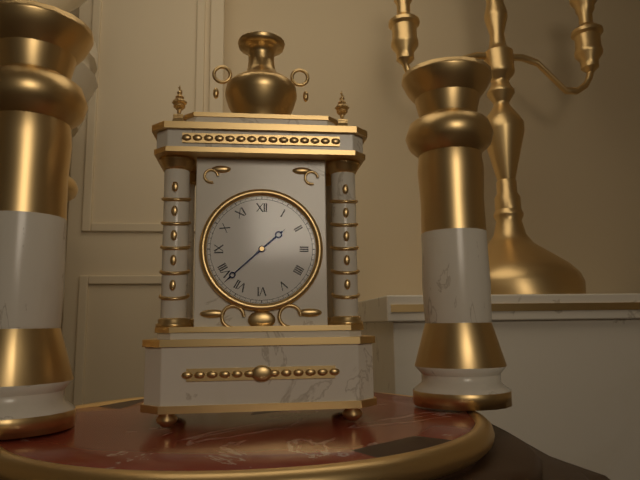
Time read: 1,38
